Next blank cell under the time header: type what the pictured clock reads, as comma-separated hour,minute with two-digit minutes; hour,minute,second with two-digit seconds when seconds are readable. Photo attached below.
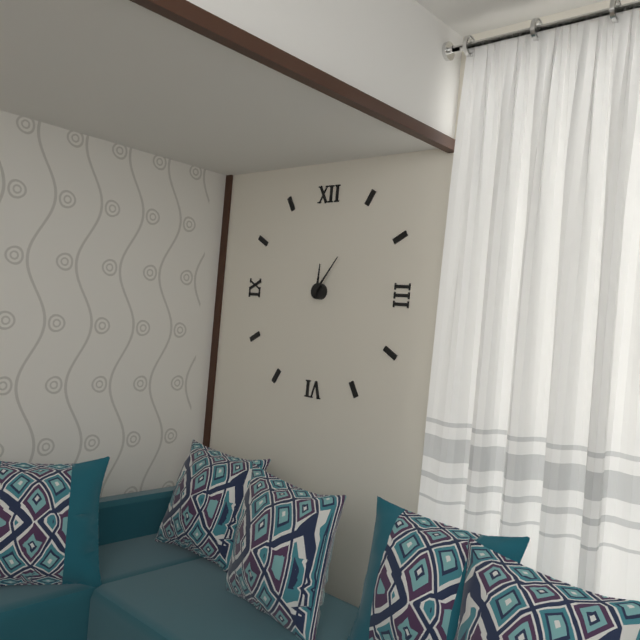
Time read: 12,06
